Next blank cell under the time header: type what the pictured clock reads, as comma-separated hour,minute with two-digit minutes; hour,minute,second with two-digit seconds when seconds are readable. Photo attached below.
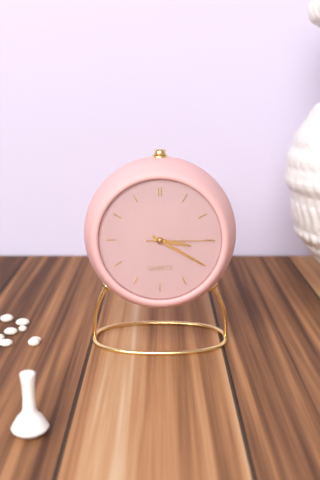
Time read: 3,20,15
